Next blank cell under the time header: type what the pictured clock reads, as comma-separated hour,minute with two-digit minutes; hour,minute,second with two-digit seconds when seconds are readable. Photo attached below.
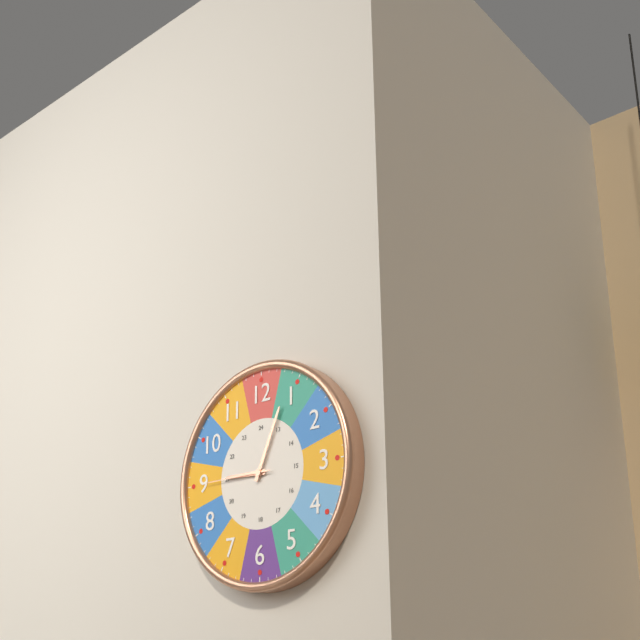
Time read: 9,04,45
